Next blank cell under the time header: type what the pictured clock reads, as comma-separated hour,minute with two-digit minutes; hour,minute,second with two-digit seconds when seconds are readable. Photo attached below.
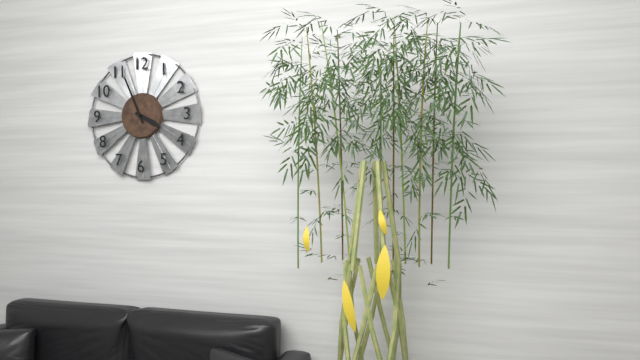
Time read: 3,56
